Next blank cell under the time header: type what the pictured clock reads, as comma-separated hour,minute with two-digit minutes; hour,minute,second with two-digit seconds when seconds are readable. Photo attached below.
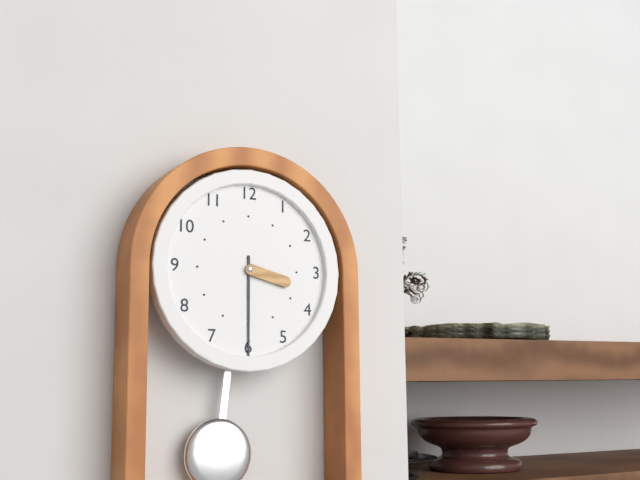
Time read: 3,30
